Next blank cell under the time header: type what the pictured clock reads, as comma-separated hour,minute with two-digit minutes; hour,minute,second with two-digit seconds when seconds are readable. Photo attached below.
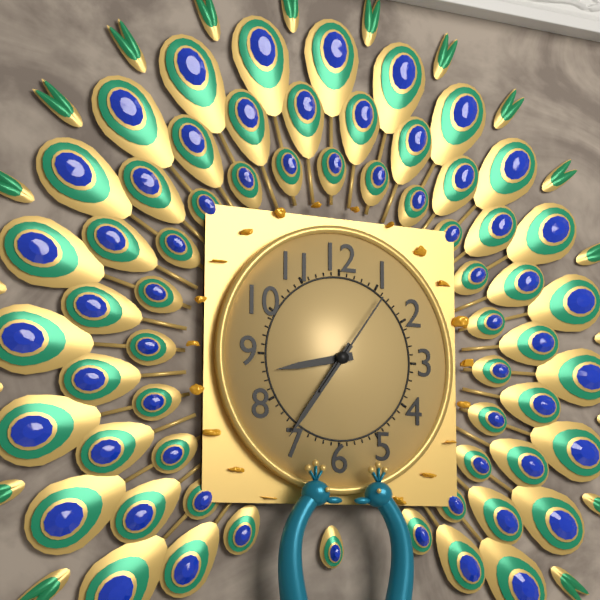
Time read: 8,36,06
